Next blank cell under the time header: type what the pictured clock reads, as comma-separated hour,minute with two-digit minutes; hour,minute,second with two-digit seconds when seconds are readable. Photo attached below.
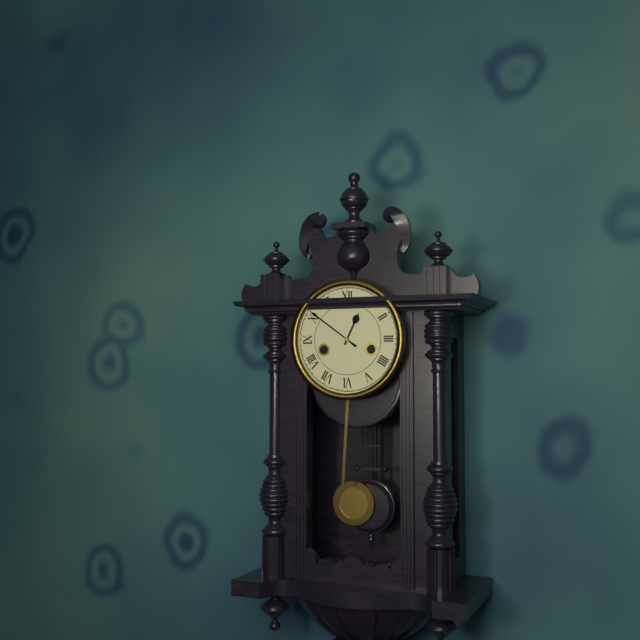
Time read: 12,51
